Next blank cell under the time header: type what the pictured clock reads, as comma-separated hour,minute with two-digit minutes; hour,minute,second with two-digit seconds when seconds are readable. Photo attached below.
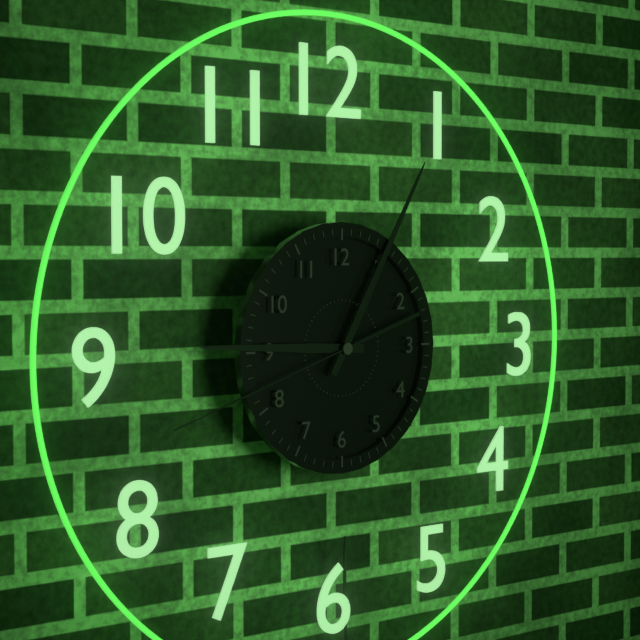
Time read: 9,05,42
